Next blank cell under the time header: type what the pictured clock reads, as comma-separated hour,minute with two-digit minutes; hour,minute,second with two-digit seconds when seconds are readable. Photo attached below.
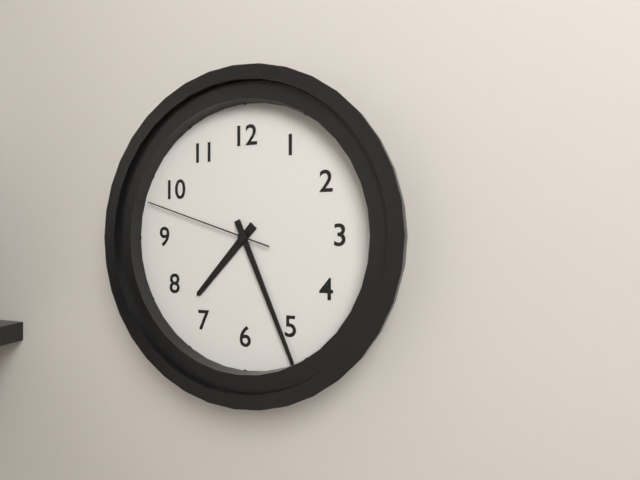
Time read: 7,26,48
